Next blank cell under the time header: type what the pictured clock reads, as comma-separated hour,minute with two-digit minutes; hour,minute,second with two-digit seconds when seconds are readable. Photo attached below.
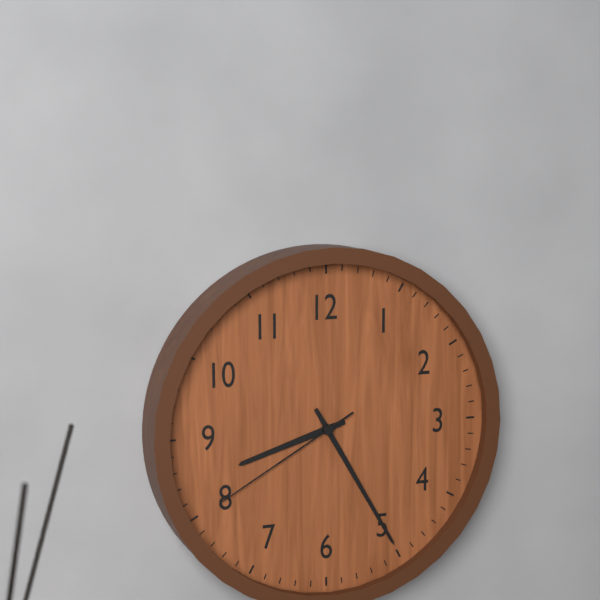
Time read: 8,25,40
